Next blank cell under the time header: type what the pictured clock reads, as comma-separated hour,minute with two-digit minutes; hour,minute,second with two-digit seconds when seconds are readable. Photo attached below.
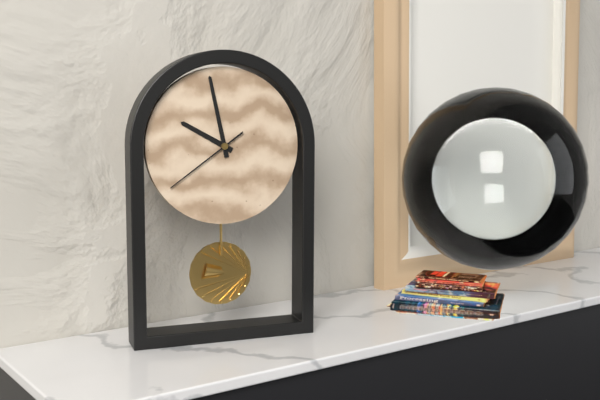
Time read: 9,58,39
